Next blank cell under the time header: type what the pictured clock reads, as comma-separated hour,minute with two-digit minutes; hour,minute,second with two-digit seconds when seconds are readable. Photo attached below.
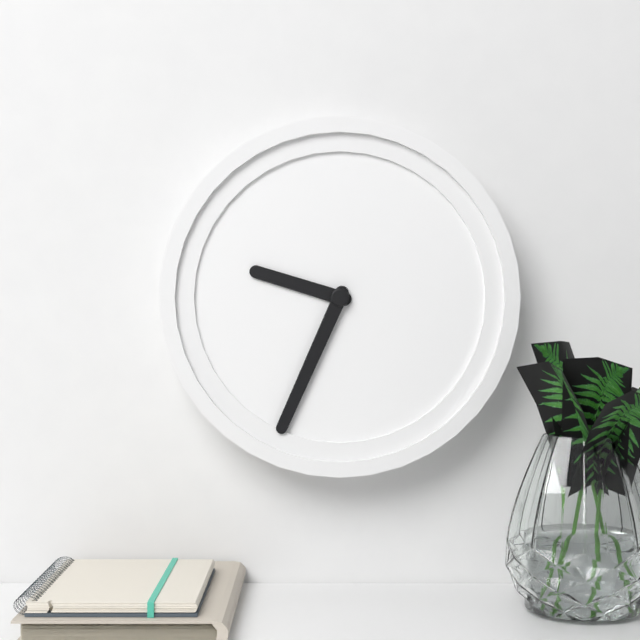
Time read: 9,34
